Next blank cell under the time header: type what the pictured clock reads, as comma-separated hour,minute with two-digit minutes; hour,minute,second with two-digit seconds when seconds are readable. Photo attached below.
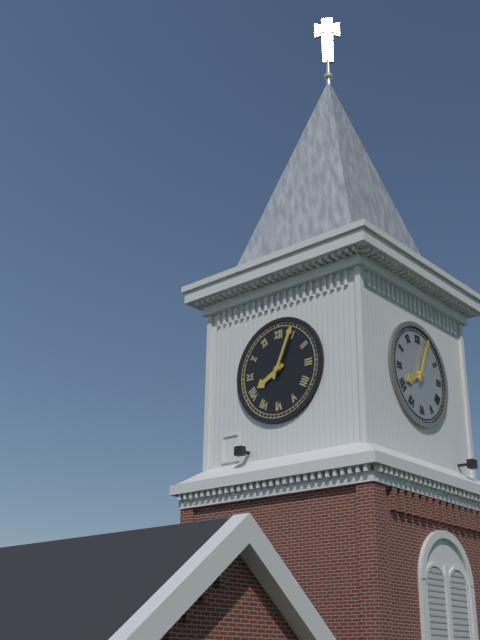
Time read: 8,04
